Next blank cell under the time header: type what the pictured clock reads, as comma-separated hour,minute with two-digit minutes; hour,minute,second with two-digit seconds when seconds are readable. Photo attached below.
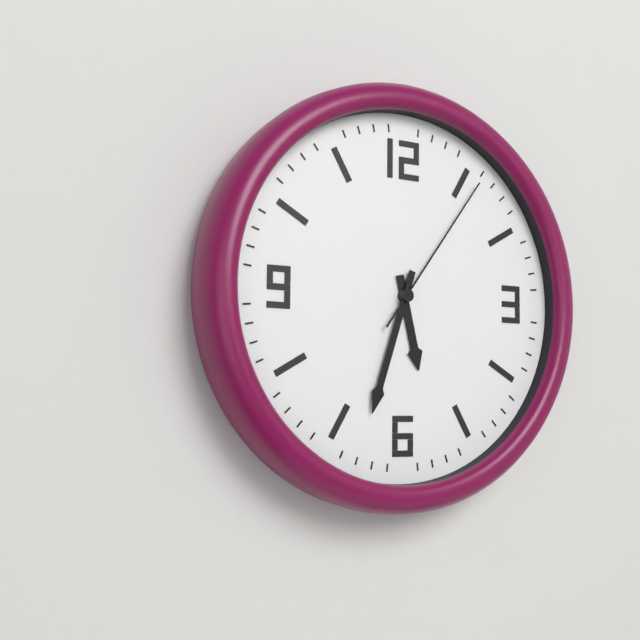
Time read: 5,33,06
